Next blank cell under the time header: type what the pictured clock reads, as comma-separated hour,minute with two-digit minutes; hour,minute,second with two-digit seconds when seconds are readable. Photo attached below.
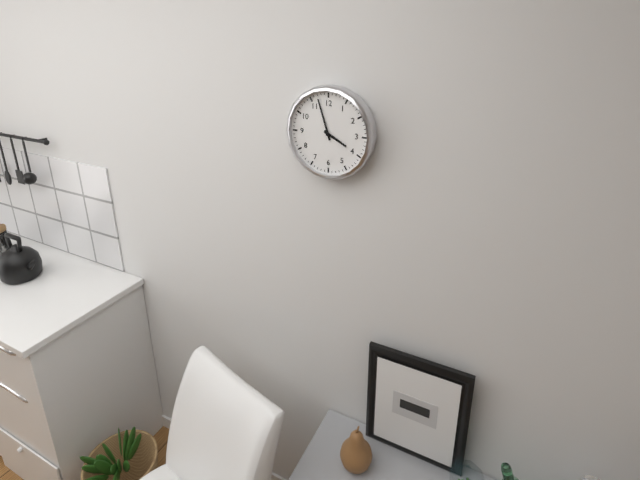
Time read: 3,57
